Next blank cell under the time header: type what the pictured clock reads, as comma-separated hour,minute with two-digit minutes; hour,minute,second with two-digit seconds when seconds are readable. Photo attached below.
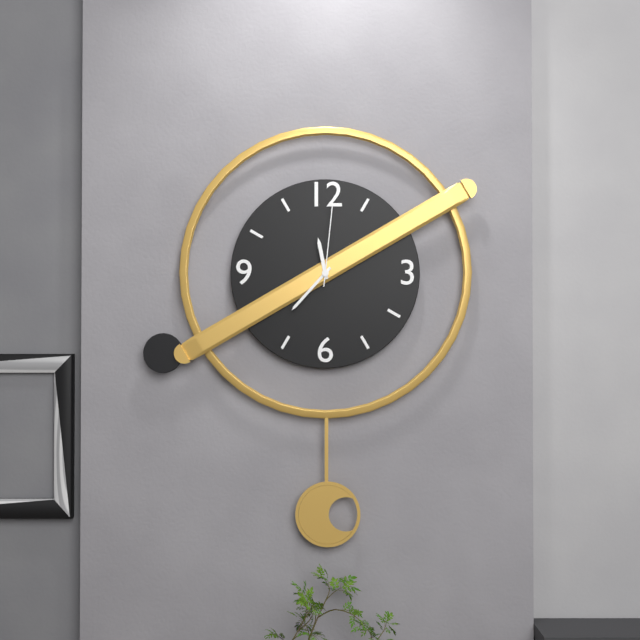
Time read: 11,37,01
